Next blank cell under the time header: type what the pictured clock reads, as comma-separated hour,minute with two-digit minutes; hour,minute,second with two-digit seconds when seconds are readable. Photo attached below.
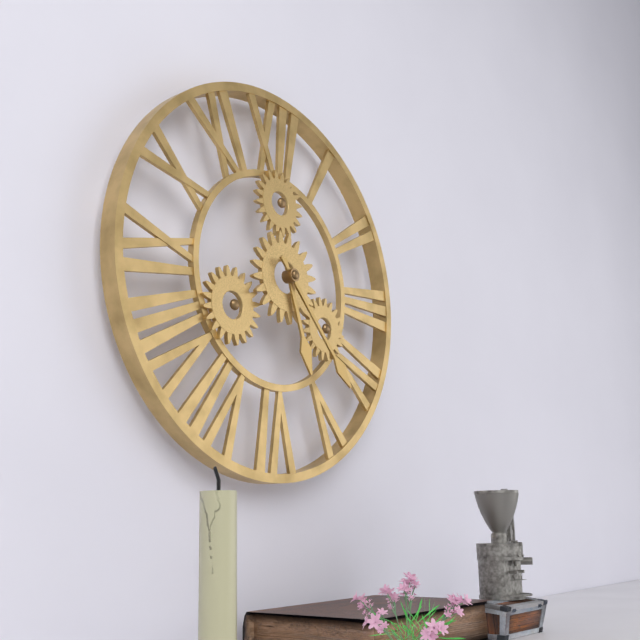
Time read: 5,23
